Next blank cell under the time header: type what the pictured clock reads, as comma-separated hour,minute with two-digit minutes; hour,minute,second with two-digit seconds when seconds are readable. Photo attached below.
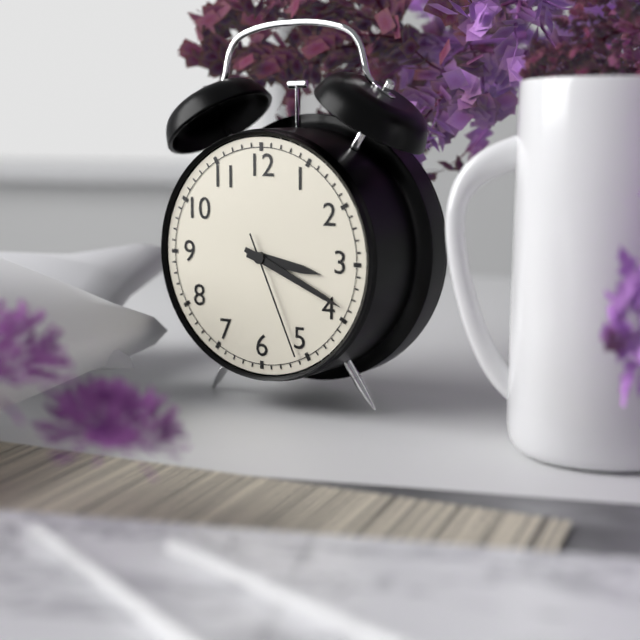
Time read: 3,19,26
